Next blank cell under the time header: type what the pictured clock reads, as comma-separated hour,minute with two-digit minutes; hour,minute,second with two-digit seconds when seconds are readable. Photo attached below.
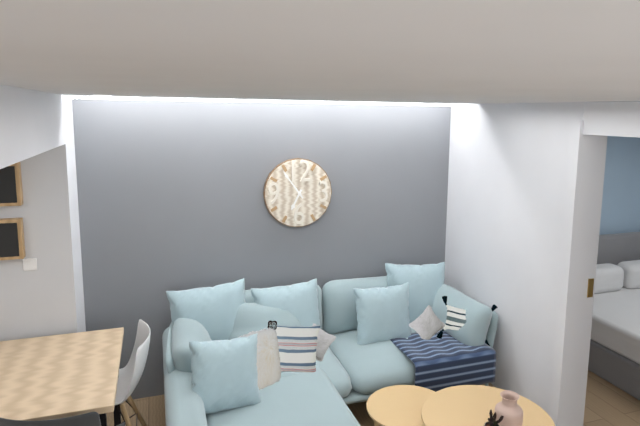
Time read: 6,54
